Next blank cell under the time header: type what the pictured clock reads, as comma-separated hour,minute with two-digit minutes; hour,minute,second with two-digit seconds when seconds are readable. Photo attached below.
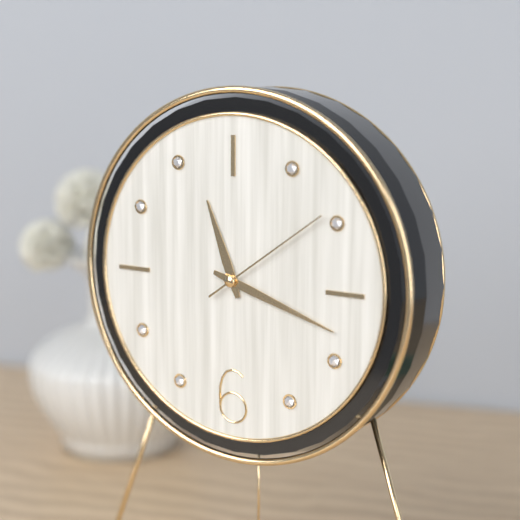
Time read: 11,18,09
